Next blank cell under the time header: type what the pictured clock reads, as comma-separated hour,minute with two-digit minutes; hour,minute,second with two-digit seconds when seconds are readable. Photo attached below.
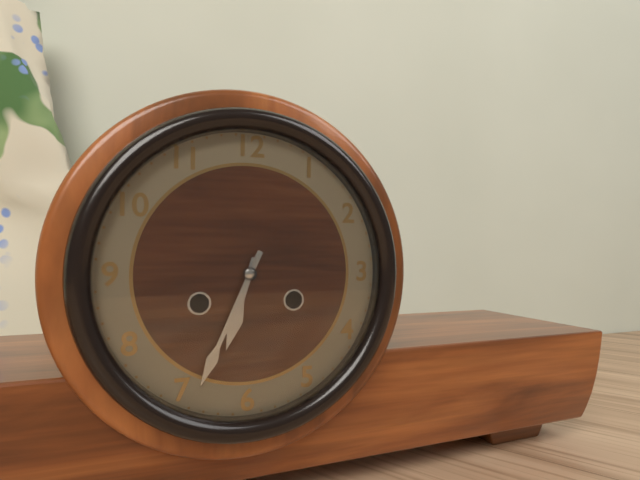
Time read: 6,34
